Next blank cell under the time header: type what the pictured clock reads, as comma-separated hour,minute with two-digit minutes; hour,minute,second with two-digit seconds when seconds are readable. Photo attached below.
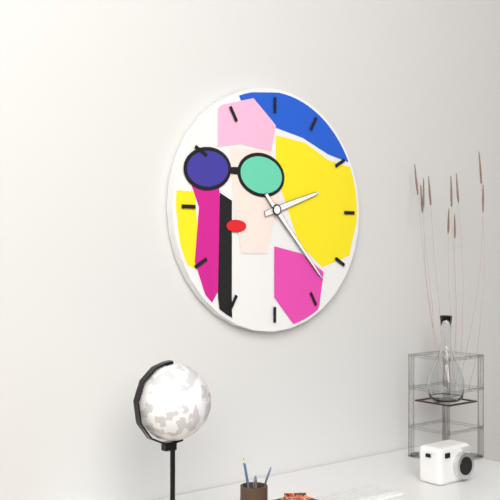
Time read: 2,23
